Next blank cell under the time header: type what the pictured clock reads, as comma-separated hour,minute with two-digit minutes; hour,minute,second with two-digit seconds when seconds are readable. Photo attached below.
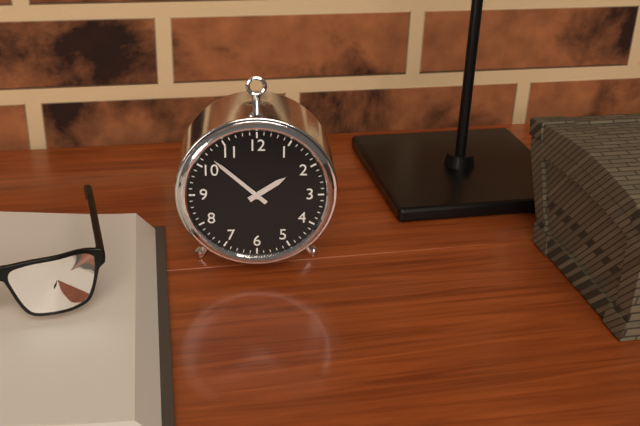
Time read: 1,52
